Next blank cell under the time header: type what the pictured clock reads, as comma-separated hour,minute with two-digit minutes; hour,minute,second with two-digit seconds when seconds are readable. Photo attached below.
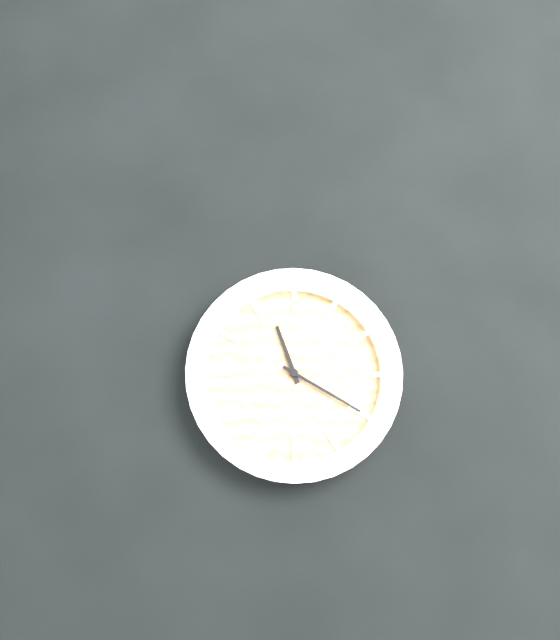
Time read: 11,20
